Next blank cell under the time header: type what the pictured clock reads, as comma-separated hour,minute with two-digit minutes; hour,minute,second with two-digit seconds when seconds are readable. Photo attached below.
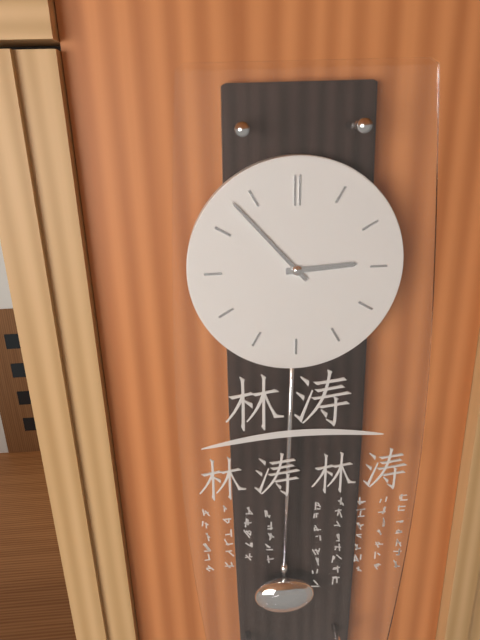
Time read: 2,53
